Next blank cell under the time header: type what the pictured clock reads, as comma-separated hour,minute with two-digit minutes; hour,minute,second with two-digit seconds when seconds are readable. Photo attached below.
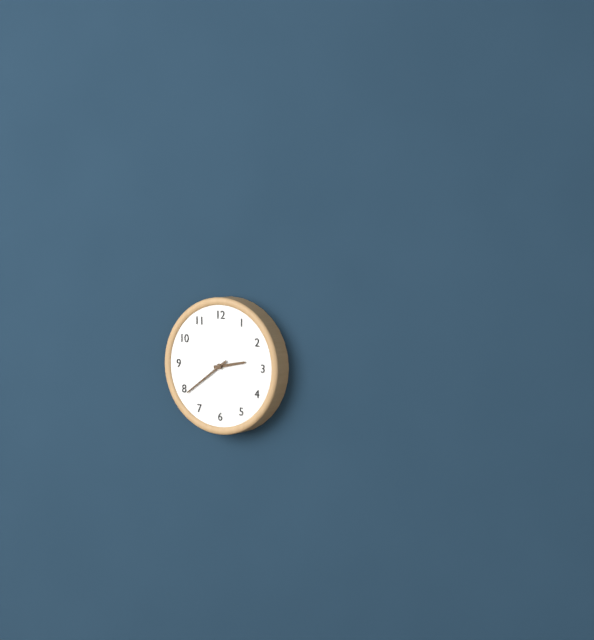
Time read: 2,39
